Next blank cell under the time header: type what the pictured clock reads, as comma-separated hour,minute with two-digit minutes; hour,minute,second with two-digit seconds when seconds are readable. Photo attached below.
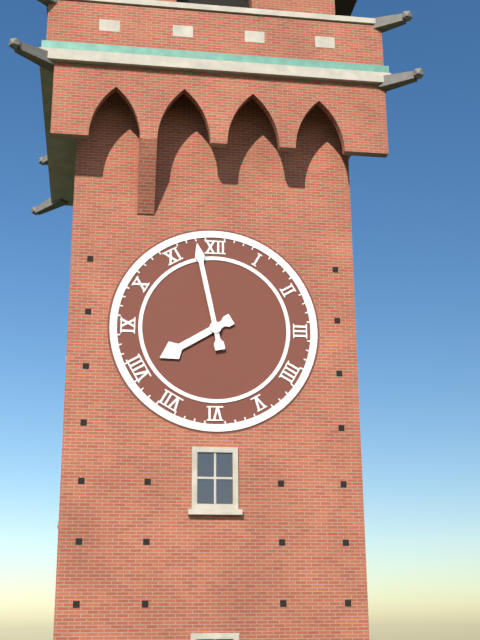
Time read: 7,58
